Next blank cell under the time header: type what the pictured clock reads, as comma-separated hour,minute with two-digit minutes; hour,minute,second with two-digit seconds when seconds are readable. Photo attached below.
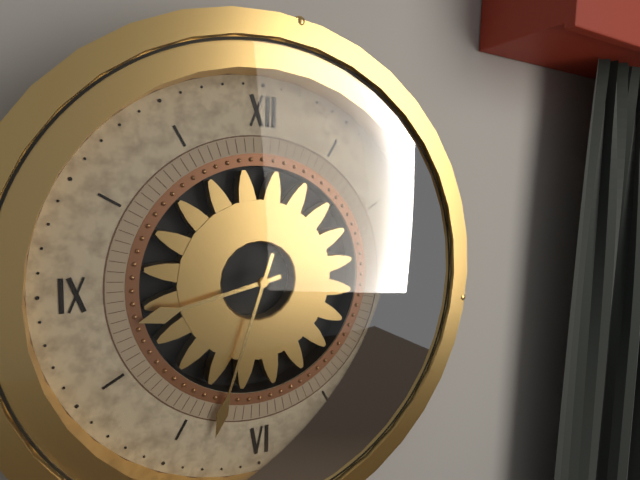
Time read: 8,33
